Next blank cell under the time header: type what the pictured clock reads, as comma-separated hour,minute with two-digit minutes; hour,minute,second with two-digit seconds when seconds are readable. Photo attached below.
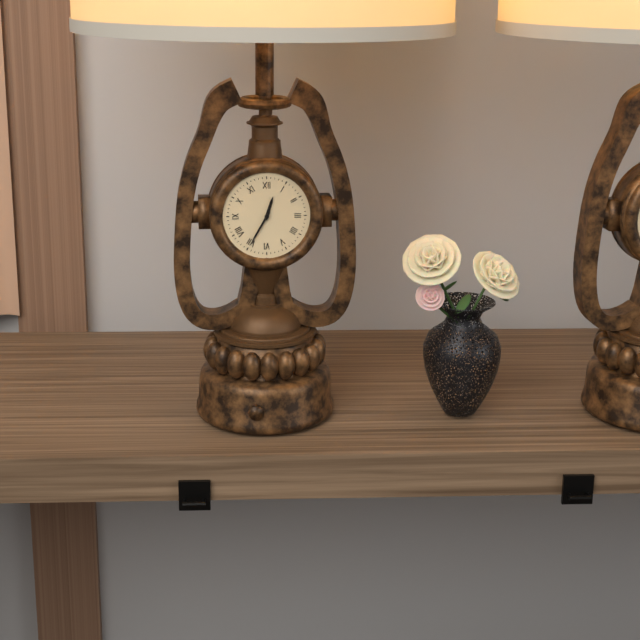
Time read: 12,35
